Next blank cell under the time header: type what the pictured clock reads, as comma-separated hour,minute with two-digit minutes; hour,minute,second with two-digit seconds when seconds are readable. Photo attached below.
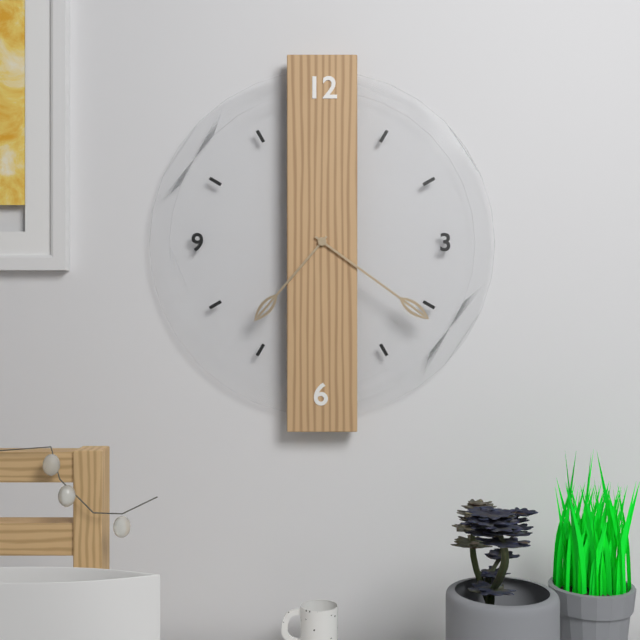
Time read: 7,21
